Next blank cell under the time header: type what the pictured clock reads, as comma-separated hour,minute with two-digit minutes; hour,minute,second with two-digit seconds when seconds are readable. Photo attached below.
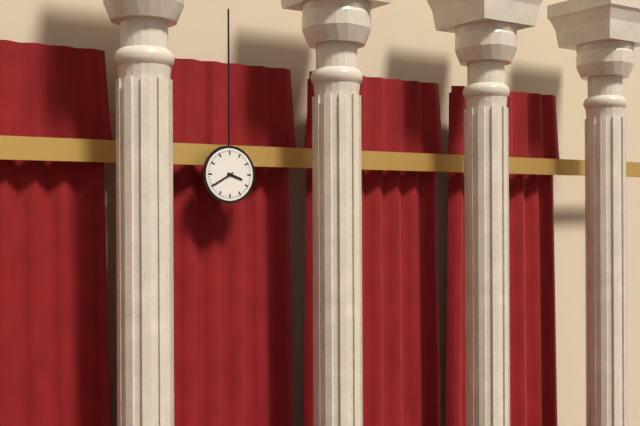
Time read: 3,40
